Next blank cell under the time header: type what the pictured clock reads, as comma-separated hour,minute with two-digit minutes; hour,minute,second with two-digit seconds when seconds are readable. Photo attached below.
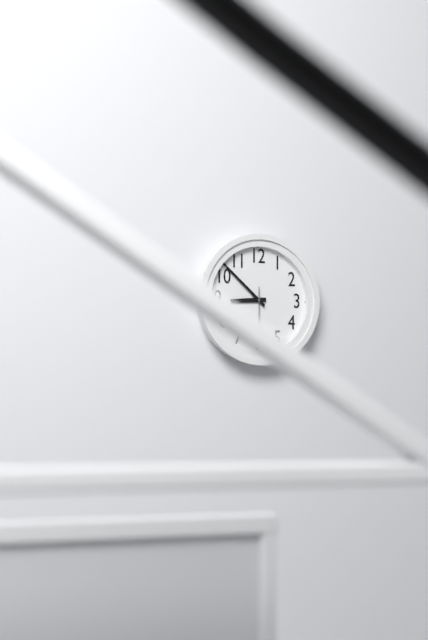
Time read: 8,52
